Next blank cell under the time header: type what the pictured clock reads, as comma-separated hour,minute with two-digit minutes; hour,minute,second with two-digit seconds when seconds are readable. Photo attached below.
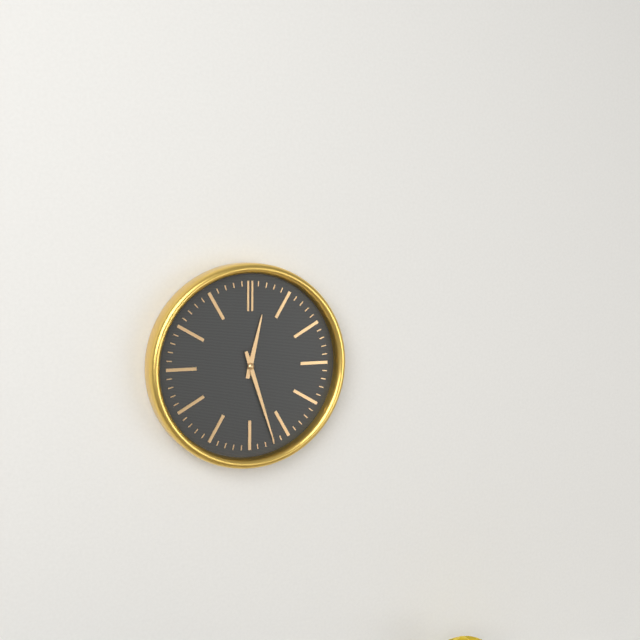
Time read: 12,27
